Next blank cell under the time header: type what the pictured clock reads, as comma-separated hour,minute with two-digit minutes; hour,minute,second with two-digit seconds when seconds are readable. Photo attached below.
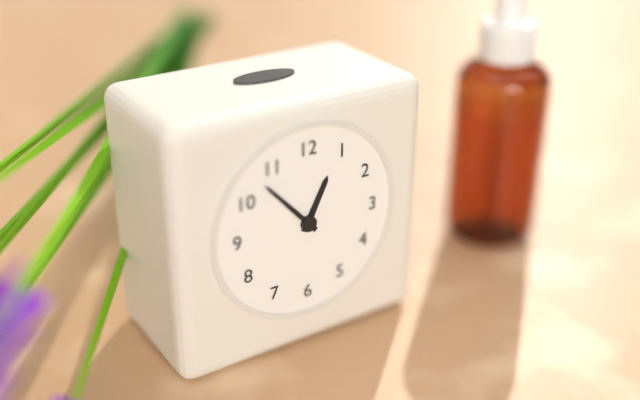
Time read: 12,53
